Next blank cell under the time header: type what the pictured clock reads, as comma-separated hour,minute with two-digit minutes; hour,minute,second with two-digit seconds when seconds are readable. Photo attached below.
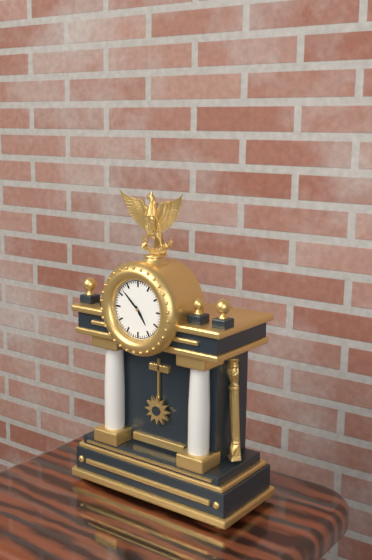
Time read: 4,52
